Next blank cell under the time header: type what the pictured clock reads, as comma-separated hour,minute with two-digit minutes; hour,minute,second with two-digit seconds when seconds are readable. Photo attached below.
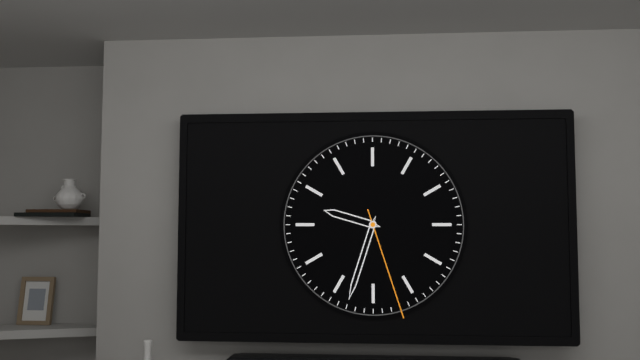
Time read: 9,33,27
